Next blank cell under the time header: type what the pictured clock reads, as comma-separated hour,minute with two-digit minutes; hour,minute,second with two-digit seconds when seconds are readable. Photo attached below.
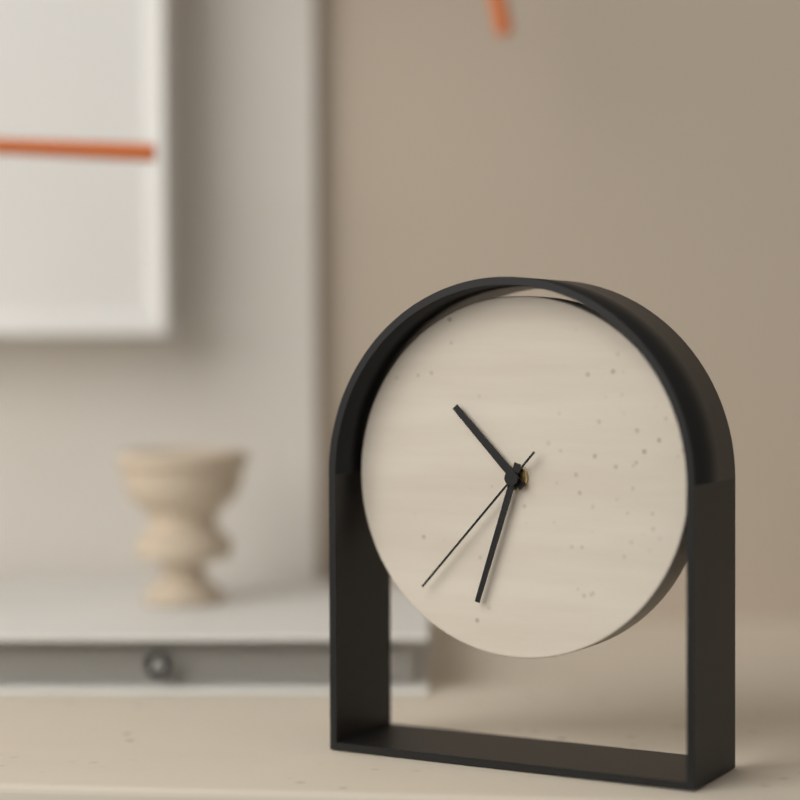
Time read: 10,33,37
